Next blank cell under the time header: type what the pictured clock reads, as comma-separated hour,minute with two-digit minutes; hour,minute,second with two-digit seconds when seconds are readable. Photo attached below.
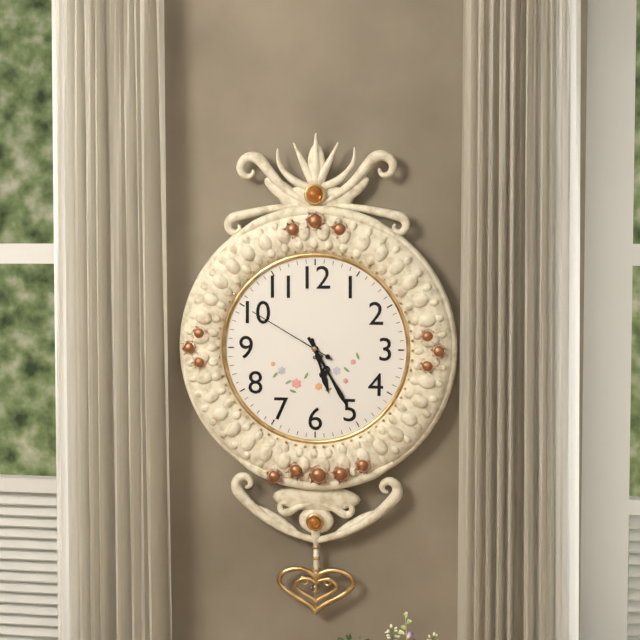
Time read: 5,25,50
